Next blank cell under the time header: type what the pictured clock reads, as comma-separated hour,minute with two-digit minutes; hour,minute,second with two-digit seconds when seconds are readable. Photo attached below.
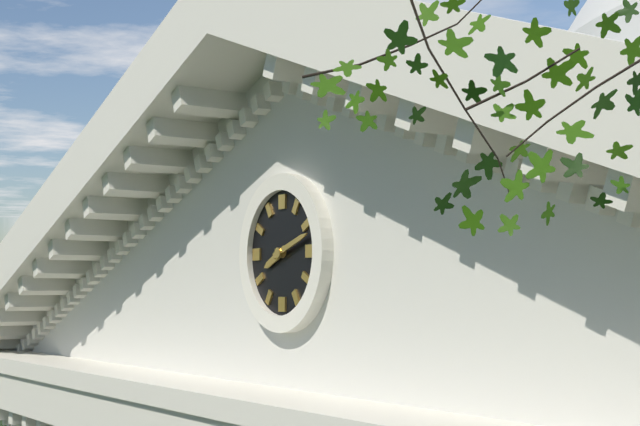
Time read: 8,12
